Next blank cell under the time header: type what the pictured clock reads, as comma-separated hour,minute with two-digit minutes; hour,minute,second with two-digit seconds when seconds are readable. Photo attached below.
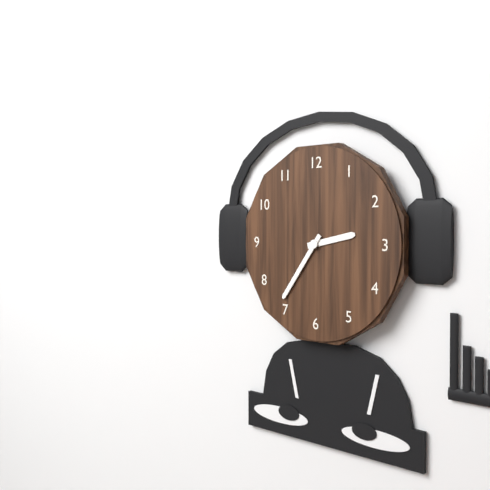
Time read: 2,36
